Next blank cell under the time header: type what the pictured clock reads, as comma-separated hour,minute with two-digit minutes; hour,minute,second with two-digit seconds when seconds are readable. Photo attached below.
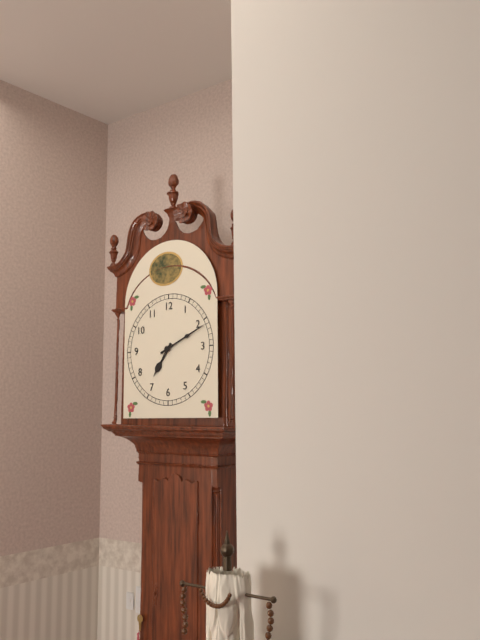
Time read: 7,11
